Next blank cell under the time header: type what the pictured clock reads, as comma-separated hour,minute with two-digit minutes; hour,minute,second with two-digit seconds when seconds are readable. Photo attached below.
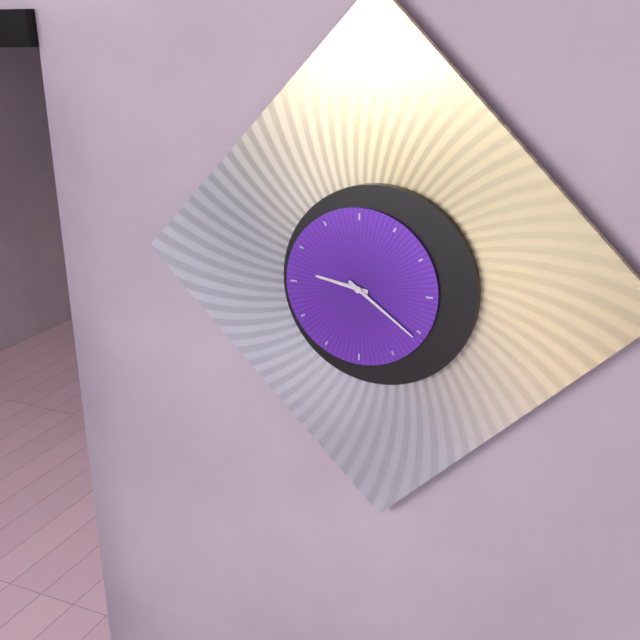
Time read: 9,21
